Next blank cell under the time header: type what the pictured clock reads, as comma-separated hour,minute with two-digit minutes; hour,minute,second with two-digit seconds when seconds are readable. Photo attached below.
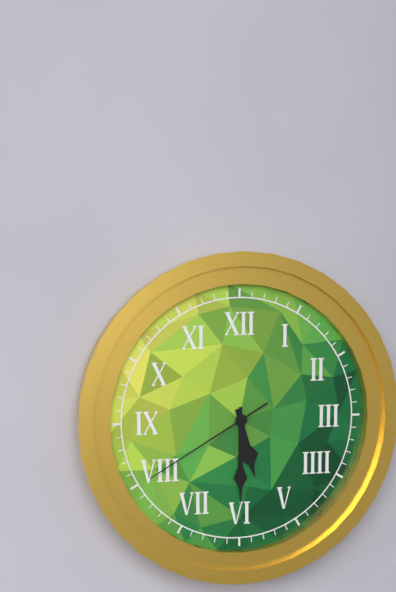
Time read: 5,30,40
